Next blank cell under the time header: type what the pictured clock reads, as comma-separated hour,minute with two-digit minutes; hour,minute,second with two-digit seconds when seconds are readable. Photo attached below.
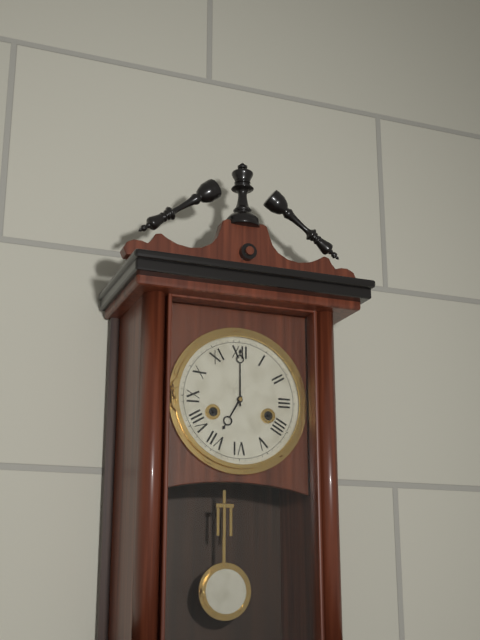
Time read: 7,00
